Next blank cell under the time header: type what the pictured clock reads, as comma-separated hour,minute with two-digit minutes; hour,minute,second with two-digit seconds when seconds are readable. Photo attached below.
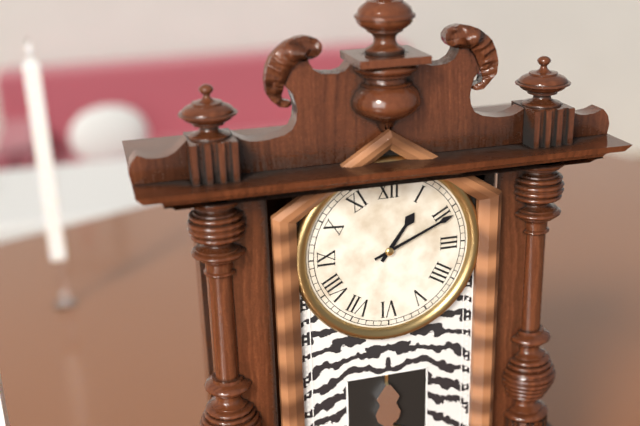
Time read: 1,11
